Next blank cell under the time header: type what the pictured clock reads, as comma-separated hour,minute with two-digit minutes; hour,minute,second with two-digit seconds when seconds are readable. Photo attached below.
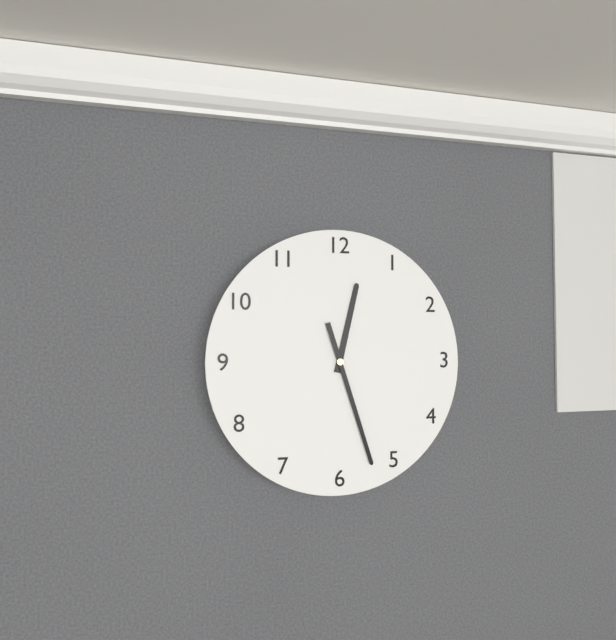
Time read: 12,27
